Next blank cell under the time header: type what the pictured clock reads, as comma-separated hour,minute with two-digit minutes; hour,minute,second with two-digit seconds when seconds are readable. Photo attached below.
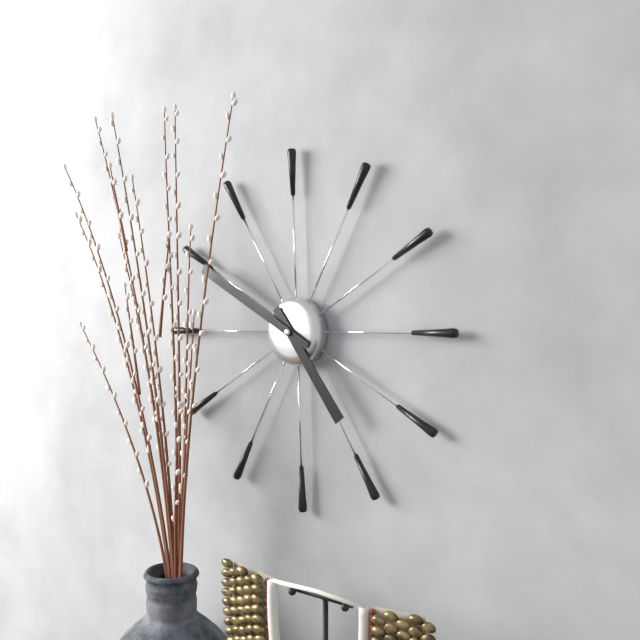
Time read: 4,50
